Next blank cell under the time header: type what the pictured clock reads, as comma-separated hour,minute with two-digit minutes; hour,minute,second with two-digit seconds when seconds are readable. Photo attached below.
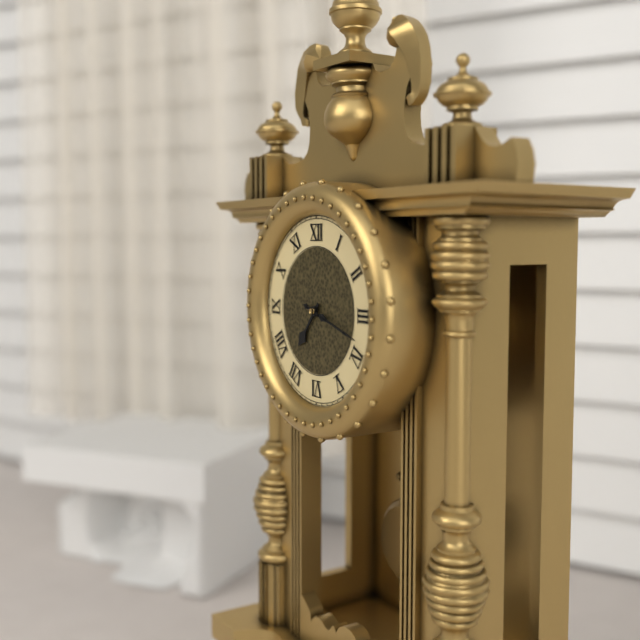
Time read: 7,18
